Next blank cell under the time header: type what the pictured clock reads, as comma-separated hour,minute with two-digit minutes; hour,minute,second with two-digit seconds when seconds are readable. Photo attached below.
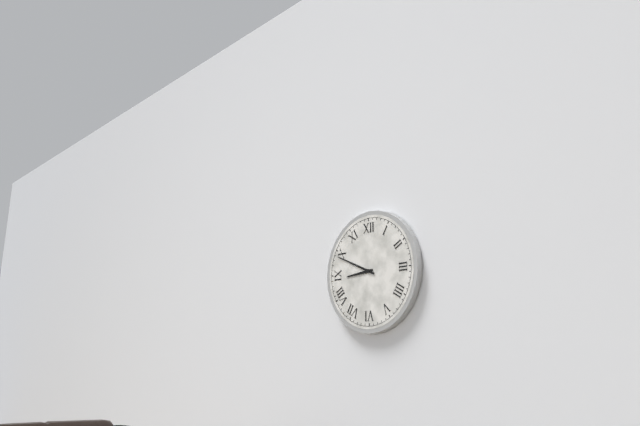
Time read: 8,49
